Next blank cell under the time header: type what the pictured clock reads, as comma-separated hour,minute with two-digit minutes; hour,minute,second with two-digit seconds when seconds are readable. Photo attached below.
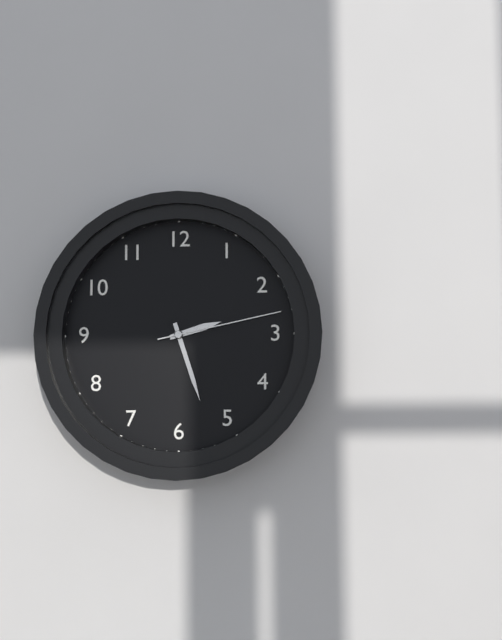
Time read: 2,27,13
